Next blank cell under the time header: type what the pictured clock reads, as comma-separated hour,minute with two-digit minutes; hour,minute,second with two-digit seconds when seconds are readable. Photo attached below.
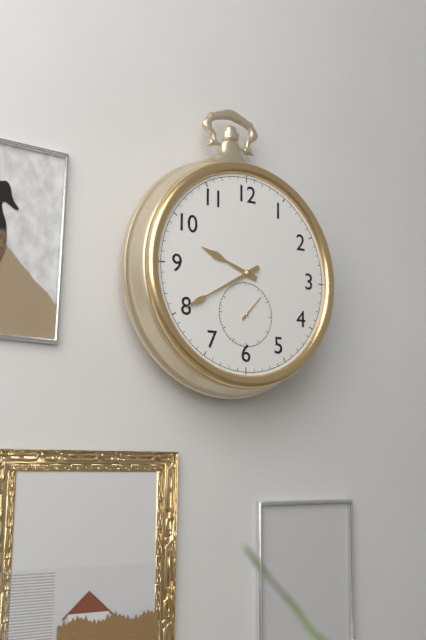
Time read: 9,40
